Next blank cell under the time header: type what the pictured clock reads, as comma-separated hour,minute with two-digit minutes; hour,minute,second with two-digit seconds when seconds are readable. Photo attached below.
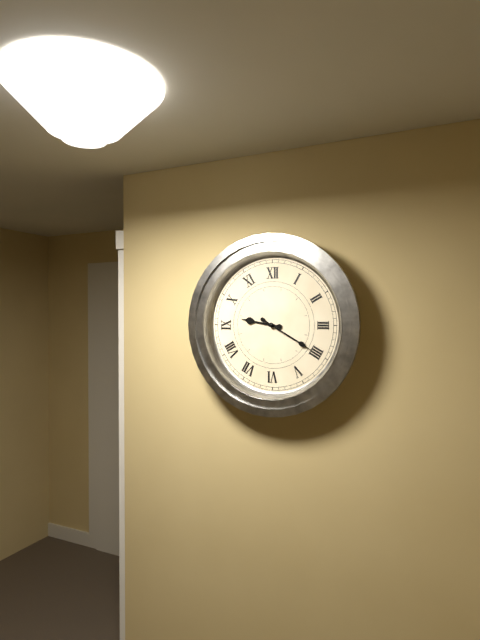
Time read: 9,20
